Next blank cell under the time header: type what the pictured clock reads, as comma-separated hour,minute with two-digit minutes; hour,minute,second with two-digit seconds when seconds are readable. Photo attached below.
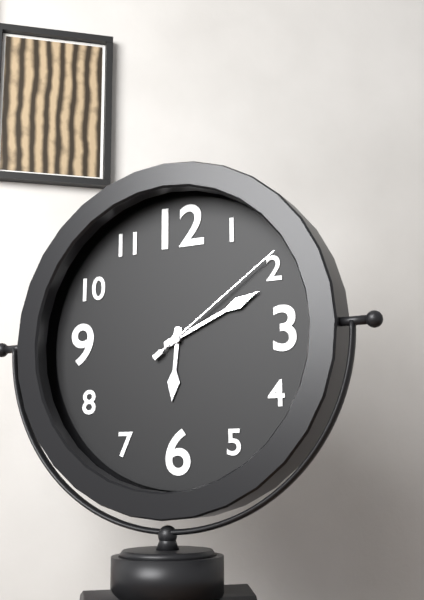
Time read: 6,11,09
